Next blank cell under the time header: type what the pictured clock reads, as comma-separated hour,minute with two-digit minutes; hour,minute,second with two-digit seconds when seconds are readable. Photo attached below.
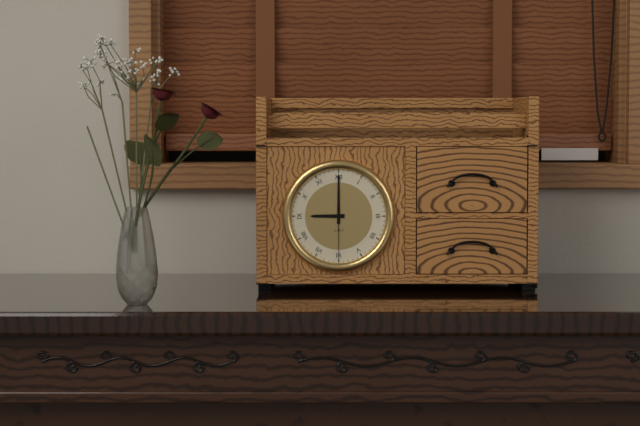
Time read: 9,00,30
